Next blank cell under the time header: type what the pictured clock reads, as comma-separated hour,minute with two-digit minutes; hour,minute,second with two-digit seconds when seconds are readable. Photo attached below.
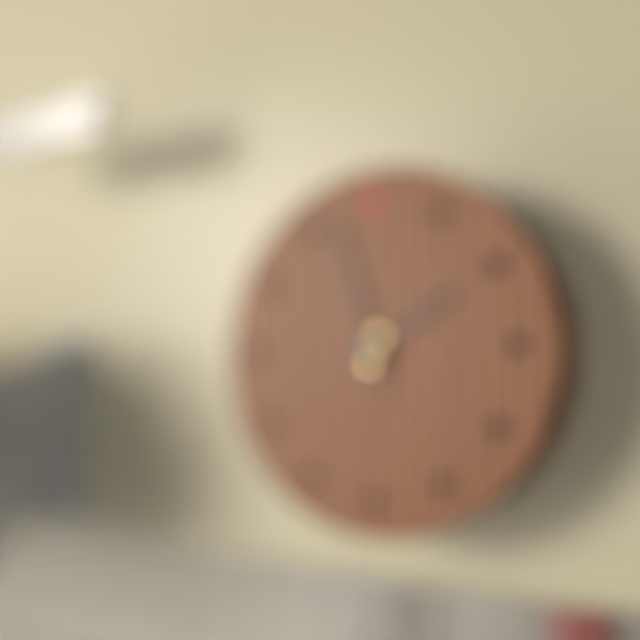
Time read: 1,57
